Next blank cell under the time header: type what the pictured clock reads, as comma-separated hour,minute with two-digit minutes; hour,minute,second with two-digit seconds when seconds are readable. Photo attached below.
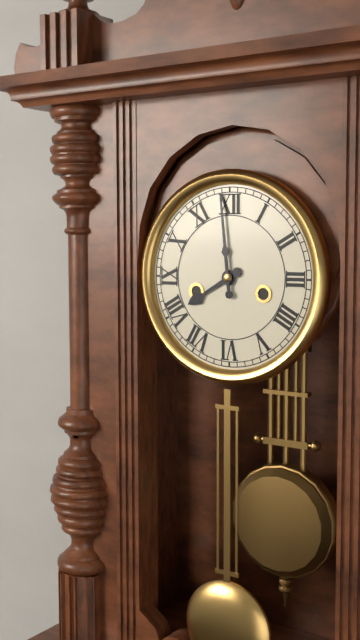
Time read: 7,59
